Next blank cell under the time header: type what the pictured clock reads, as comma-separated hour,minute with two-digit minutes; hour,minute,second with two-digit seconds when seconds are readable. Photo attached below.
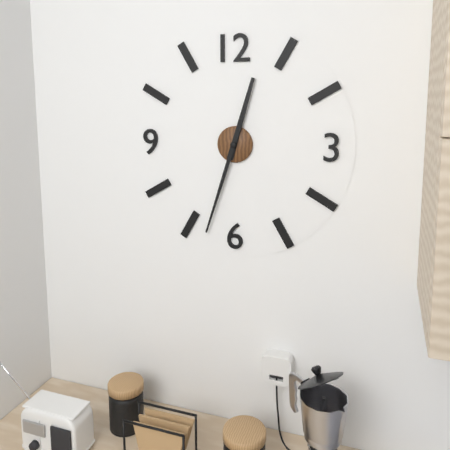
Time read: 12,33
